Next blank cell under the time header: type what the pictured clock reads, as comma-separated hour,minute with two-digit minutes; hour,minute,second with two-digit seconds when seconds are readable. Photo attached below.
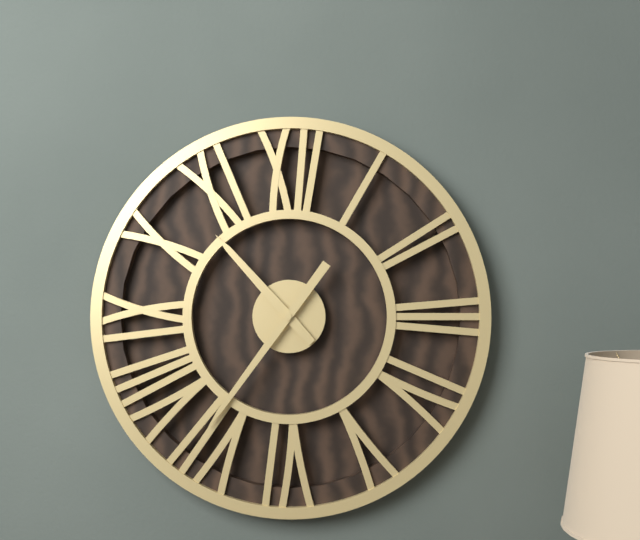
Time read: 10,36
